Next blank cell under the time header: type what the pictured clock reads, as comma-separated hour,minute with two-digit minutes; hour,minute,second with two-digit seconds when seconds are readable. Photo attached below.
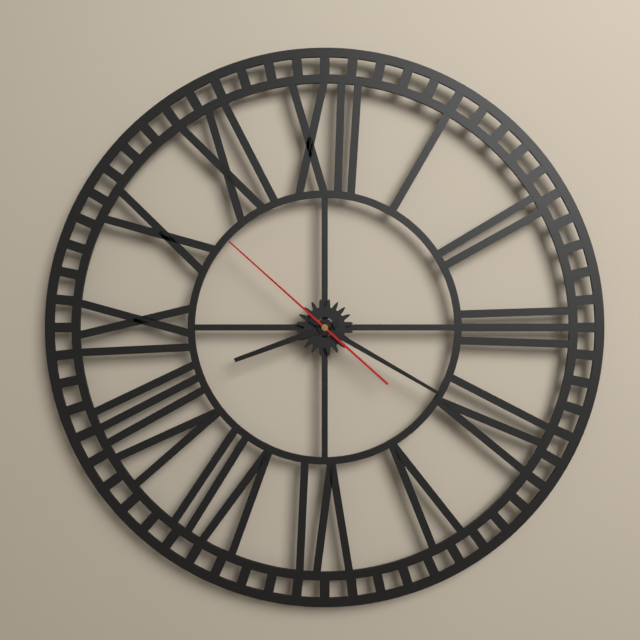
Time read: 8,20,52
